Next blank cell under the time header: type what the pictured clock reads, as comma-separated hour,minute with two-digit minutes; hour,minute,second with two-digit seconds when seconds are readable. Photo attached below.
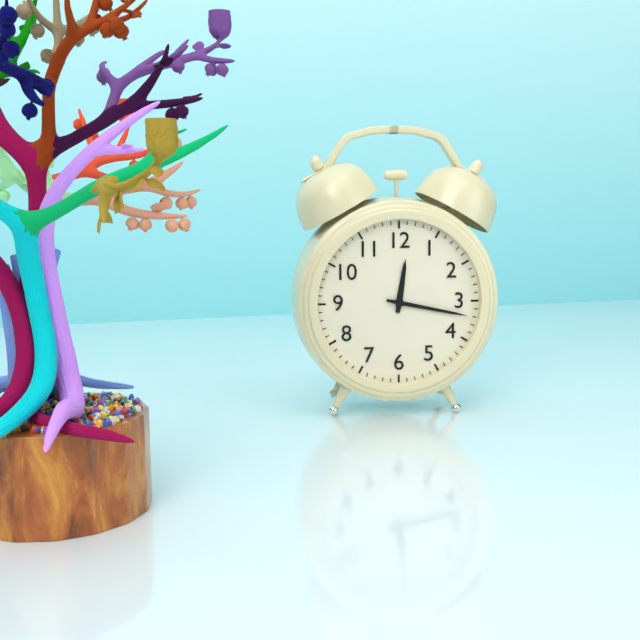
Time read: 12,17
